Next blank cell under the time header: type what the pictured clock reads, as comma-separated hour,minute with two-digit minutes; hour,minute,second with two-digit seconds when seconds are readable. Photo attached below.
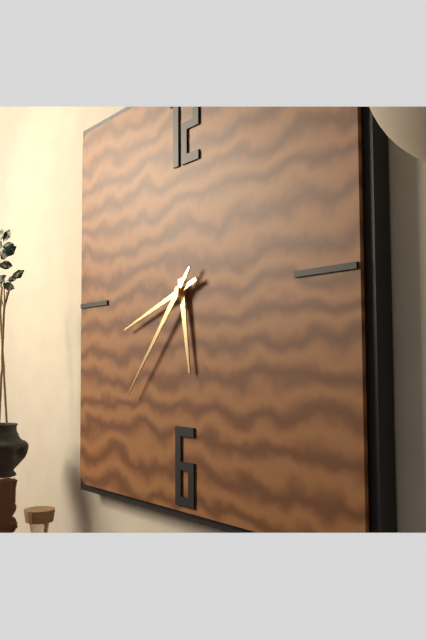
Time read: 5,42,37
